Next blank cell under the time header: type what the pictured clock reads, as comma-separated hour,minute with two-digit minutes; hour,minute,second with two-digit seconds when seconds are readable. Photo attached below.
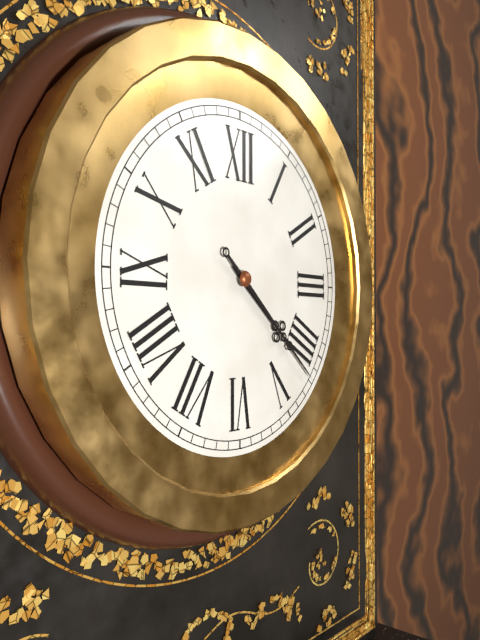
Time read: 4,22
